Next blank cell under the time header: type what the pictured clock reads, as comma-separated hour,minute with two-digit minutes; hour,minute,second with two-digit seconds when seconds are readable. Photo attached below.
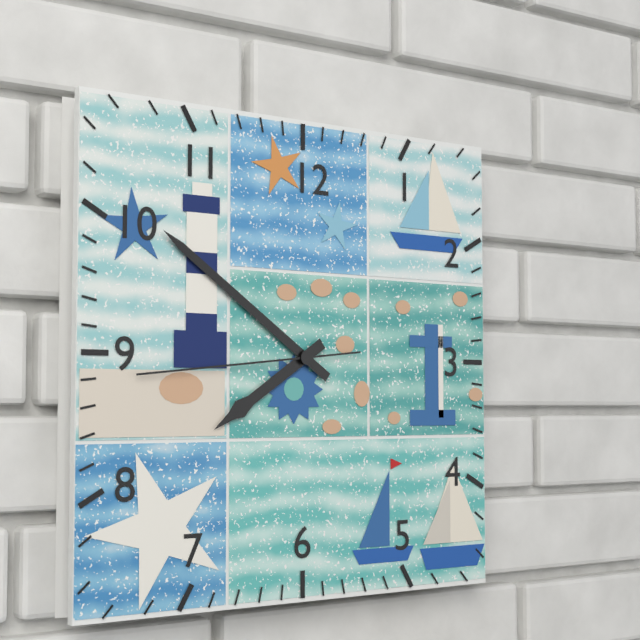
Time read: 7,51,44
